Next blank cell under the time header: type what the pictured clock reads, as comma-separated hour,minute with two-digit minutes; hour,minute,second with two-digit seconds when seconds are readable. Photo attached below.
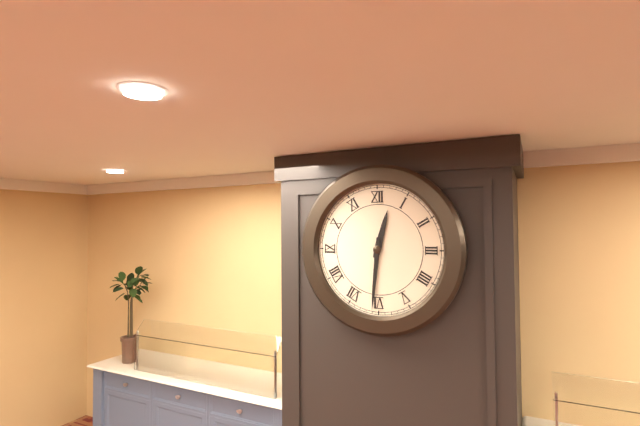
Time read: 12,31
